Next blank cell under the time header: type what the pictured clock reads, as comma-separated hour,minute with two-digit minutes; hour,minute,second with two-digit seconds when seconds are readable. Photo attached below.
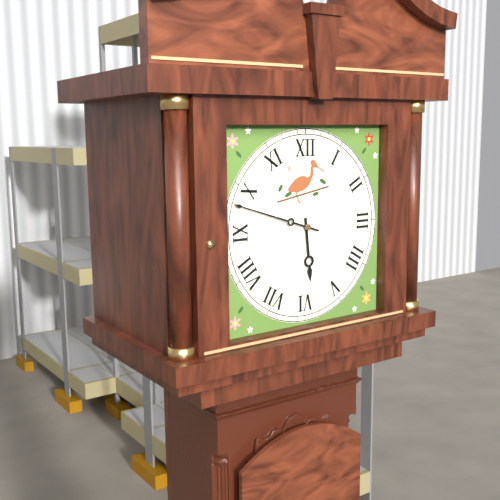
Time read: 5,48
